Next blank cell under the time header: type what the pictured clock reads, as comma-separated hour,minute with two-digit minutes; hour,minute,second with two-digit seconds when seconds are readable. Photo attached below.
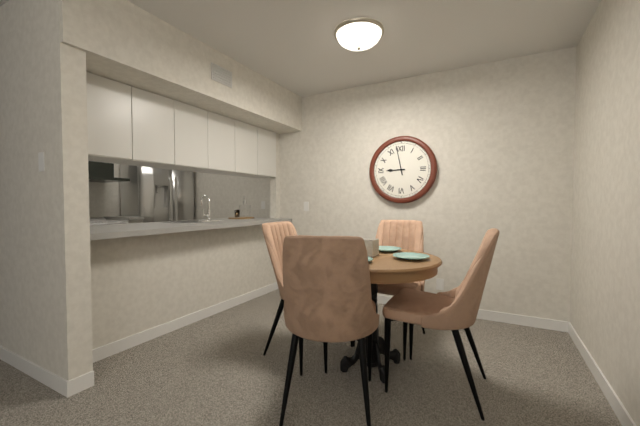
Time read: 8,58
